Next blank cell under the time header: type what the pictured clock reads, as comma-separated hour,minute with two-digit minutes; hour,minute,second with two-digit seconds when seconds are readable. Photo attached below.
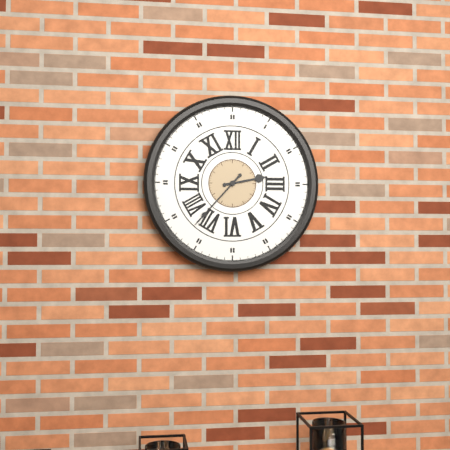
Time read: 2,37
